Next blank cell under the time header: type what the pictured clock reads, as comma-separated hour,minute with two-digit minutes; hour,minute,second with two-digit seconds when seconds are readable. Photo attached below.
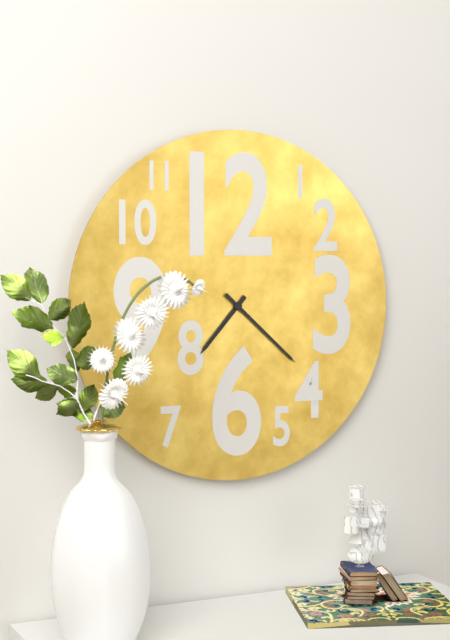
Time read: 7,22
